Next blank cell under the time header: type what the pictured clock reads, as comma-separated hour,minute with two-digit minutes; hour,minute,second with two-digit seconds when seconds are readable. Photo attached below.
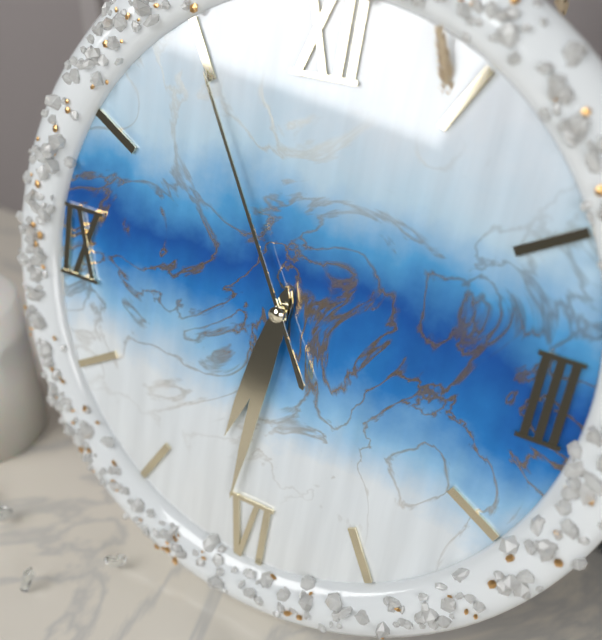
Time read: 6,31,55
